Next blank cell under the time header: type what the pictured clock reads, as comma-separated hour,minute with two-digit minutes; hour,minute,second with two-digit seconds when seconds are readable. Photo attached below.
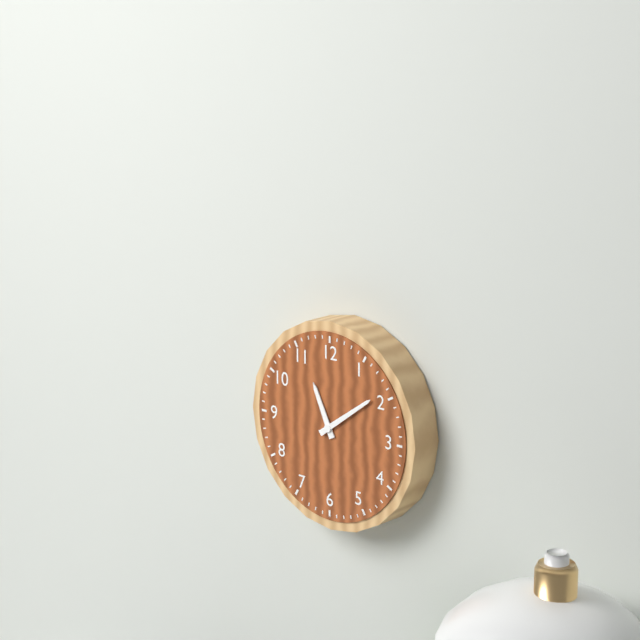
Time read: 11,09
